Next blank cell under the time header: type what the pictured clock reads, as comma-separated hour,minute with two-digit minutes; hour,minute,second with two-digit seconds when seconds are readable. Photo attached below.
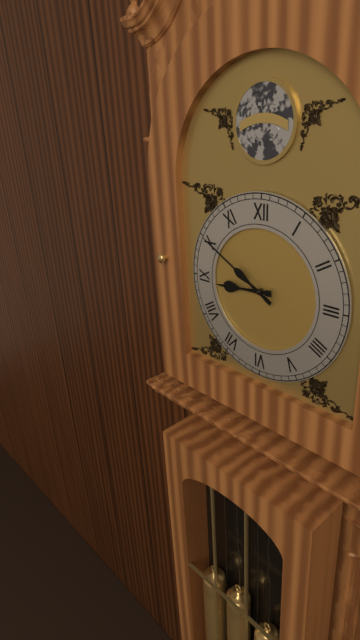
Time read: 8,50
